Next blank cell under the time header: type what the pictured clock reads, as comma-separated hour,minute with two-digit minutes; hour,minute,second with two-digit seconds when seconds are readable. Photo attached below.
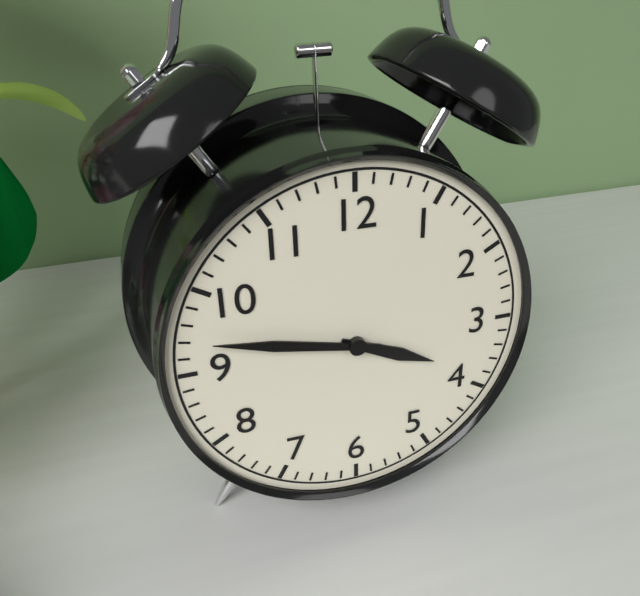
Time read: 3,47
